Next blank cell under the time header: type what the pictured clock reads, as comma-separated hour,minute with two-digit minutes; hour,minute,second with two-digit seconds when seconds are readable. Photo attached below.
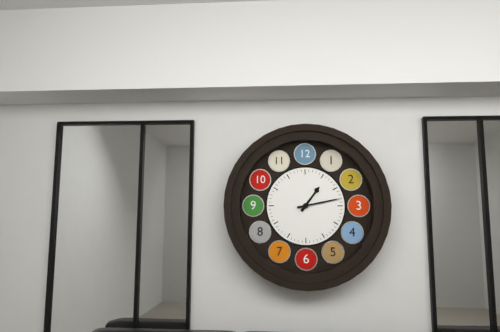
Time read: 1,13
